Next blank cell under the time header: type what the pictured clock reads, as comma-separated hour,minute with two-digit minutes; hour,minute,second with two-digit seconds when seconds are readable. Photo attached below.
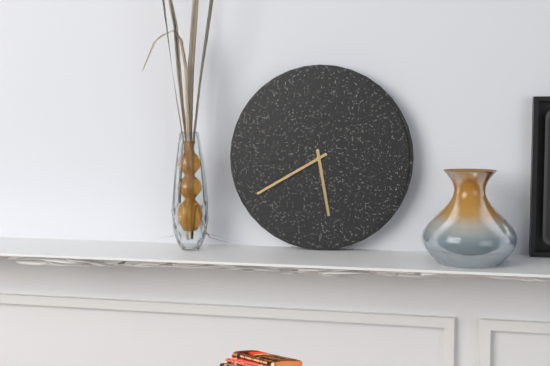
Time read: 5,40
